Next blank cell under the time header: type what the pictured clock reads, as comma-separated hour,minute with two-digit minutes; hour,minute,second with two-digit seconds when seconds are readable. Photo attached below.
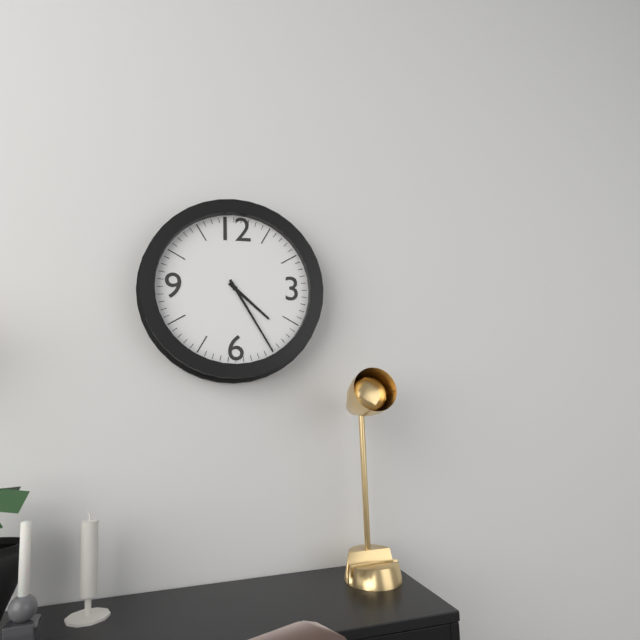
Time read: 4,25
